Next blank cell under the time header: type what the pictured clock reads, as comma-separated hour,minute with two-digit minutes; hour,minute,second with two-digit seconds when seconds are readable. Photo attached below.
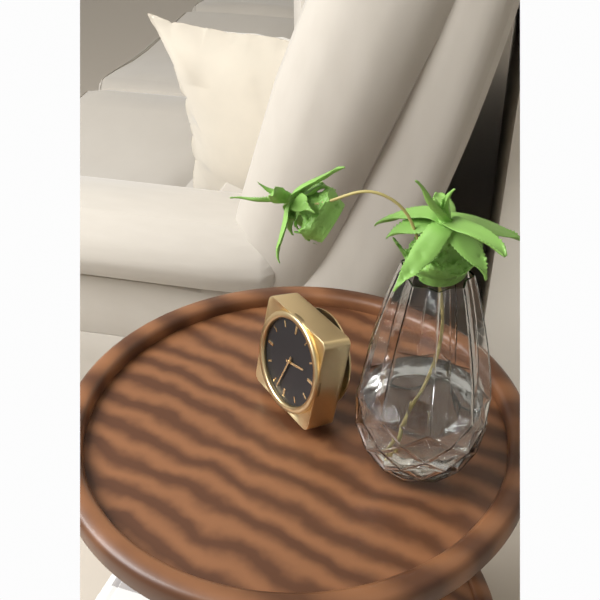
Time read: 2,33
